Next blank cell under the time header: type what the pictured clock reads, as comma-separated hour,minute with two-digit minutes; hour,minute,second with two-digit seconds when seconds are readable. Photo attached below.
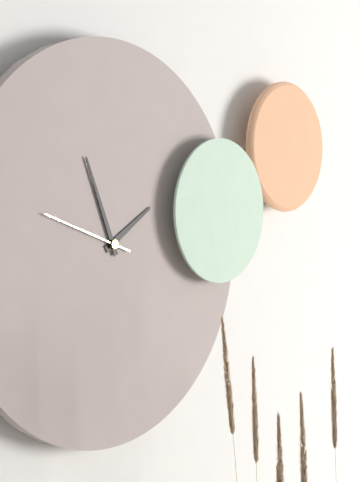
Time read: 1,56,48
